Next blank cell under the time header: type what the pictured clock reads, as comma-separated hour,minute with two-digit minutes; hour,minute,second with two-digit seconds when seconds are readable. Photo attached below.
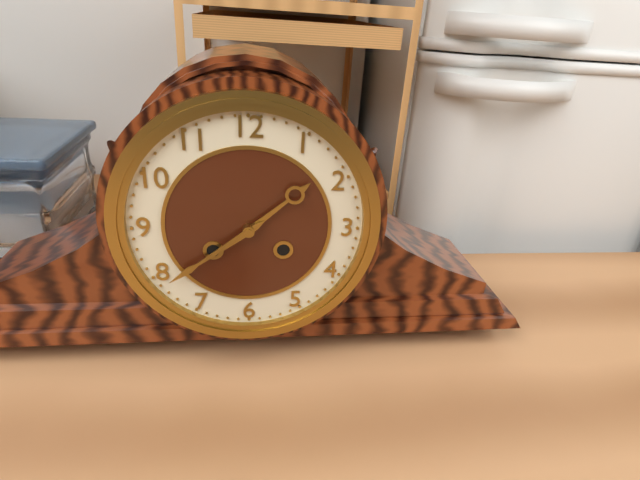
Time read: 1,39
